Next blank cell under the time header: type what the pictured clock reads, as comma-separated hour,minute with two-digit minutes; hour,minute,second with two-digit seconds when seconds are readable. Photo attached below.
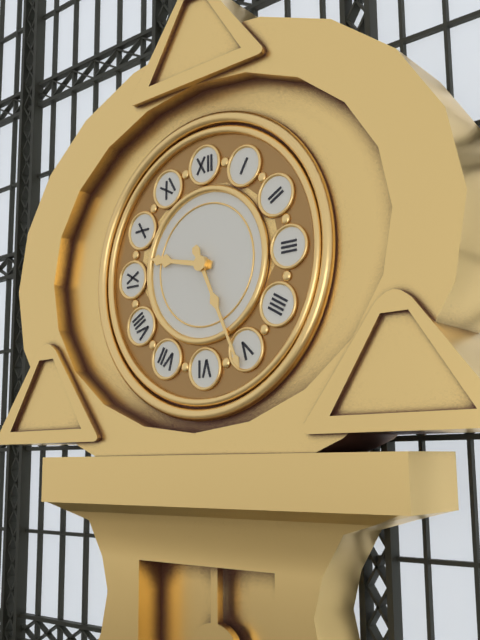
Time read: 9,26
